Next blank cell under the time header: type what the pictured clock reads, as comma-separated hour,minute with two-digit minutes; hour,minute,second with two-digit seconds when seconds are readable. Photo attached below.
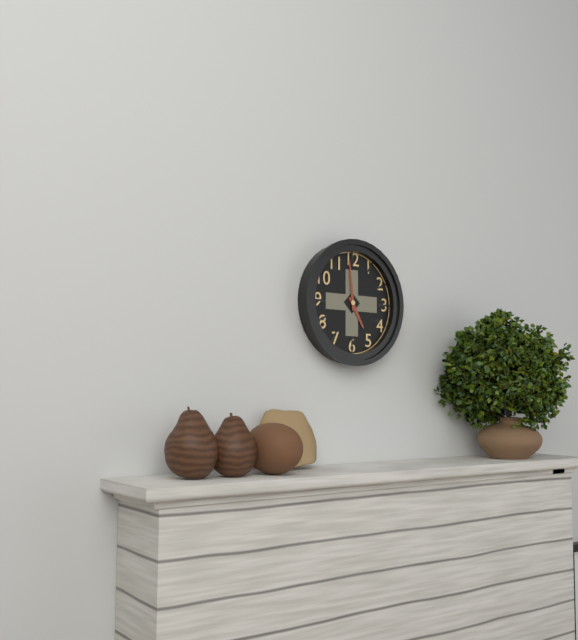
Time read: 4,59
